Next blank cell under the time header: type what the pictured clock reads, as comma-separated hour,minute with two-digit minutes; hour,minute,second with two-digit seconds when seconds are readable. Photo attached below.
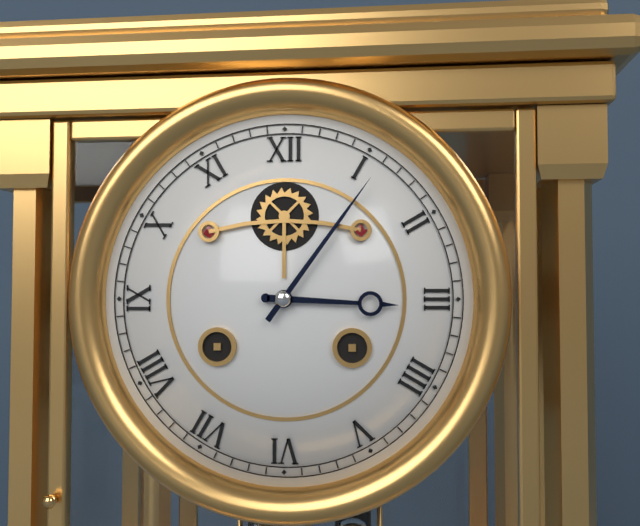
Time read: 3,06
